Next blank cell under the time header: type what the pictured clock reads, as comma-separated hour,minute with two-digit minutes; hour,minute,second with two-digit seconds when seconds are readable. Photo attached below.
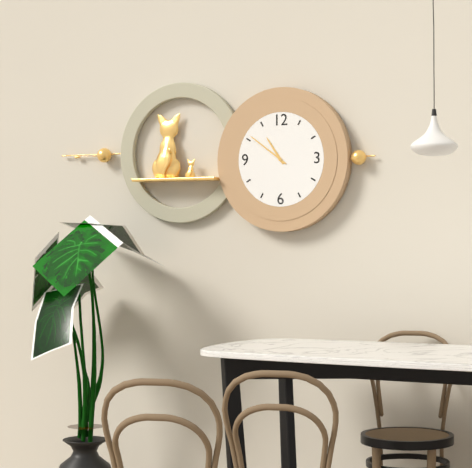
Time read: 10,51
